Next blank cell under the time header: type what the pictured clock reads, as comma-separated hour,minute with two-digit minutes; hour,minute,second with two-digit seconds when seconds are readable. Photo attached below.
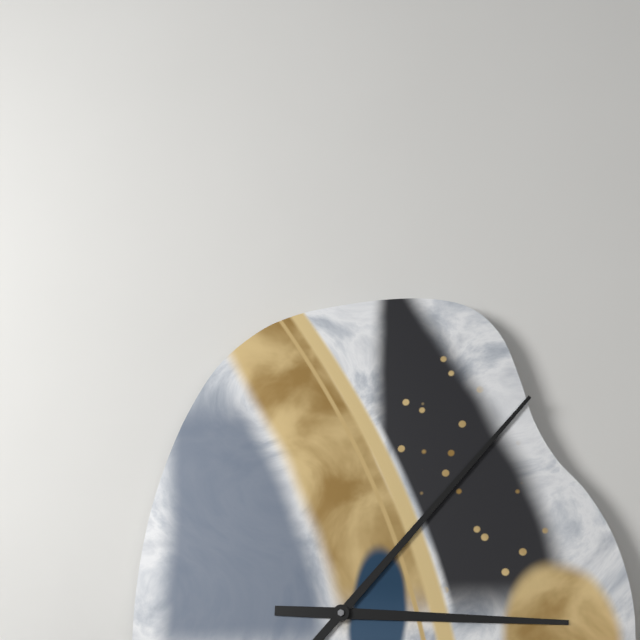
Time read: 3,07
